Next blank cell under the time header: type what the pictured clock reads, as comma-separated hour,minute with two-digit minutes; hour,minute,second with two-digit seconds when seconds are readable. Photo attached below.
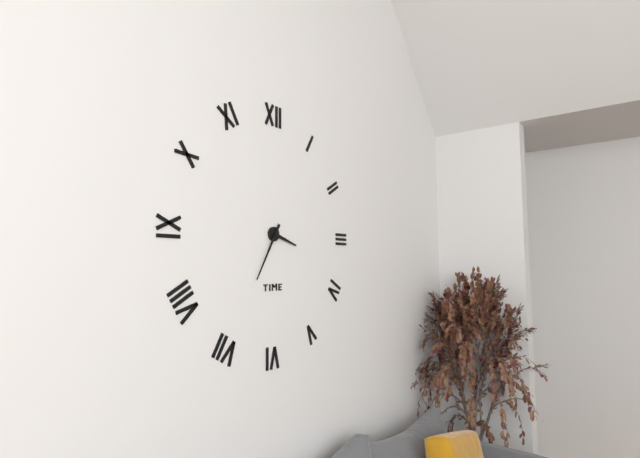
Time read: 3,35
